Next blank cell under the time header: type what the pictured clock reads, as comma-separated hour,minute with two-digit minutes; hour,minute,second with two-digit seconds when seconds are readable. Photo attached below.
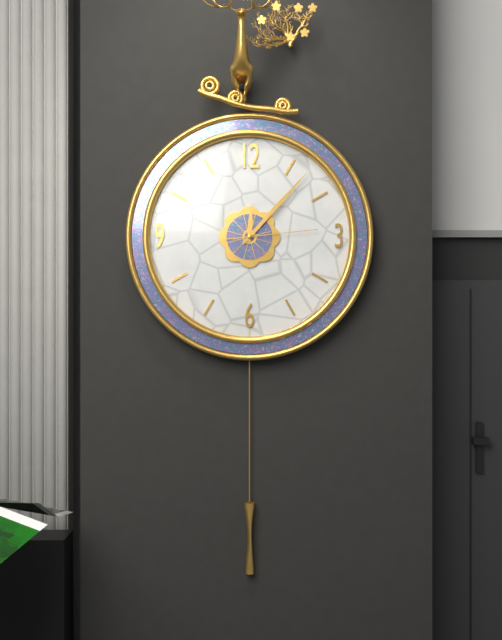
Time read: 12,07,14
